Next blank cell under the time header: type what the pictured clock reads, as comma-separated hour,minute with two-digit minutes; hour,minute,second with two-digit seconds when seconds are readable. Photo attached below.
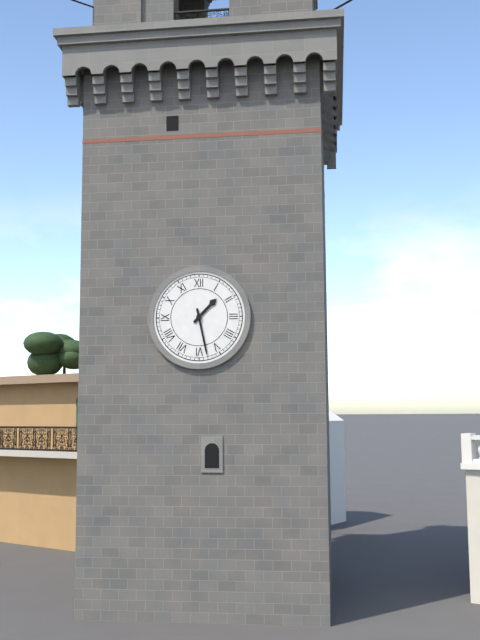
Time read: 1,28
